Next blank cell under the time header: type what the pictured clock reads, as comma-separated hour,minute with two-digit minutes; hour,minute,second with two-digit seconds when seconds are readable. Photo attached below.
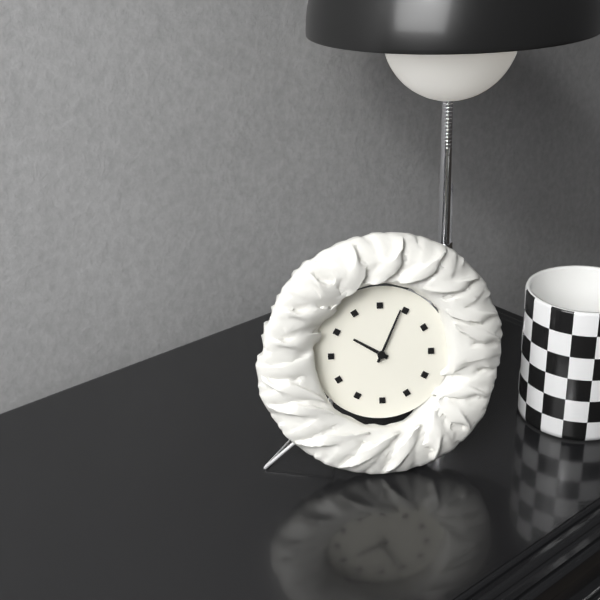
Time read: 10,04
